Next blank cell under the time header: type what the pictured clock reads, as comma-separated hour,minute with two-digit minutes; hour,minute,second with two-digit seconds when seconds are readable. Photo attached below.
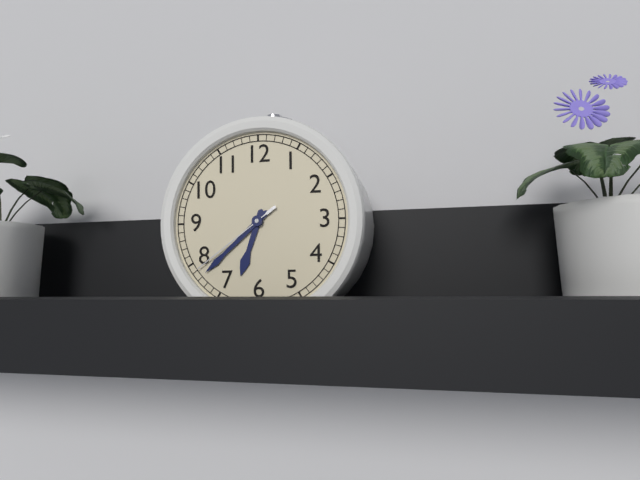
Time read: 6,38,39
